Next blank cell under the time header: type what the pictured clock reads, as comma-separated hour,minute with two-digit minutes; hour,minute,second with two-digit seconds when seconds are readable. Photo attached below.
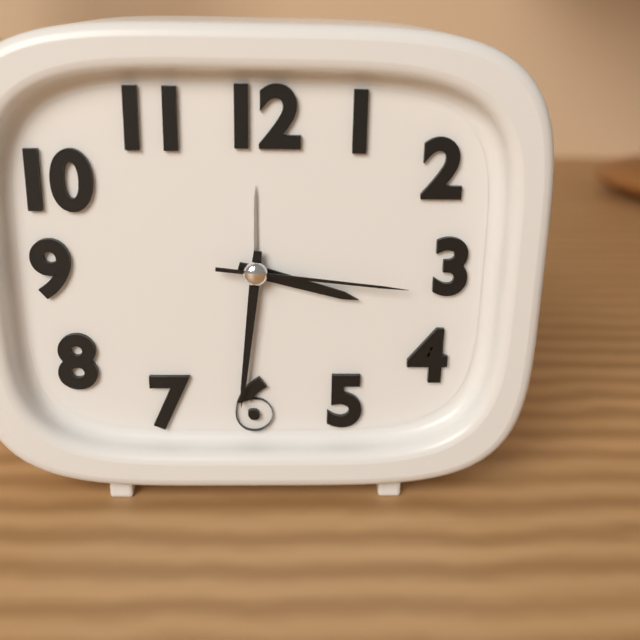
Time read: 3,31,16
